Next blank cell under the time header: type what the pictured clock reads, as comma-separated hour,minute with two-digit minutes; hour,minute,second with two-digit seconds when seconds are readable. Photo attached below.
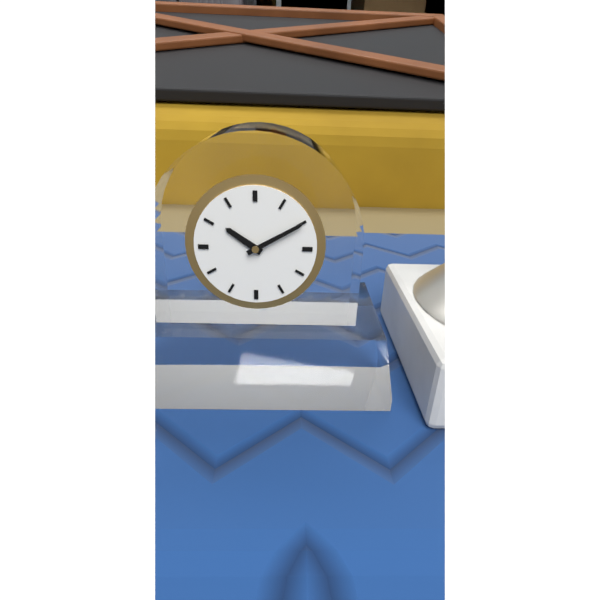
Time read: 10,10
